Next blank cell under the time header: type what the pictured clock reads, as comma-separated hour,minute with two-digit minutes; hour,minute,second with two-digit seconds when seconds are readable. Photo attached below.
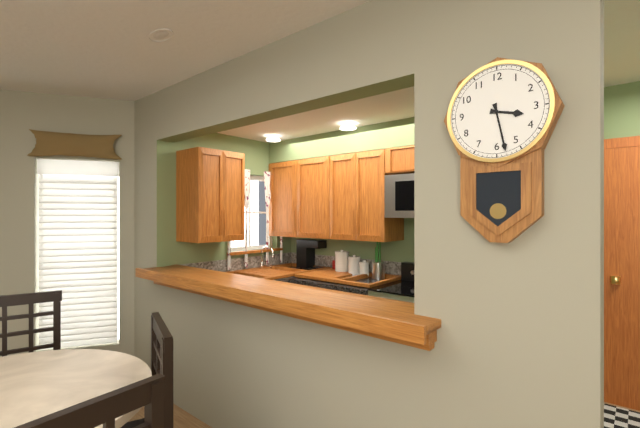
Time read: 3,28
